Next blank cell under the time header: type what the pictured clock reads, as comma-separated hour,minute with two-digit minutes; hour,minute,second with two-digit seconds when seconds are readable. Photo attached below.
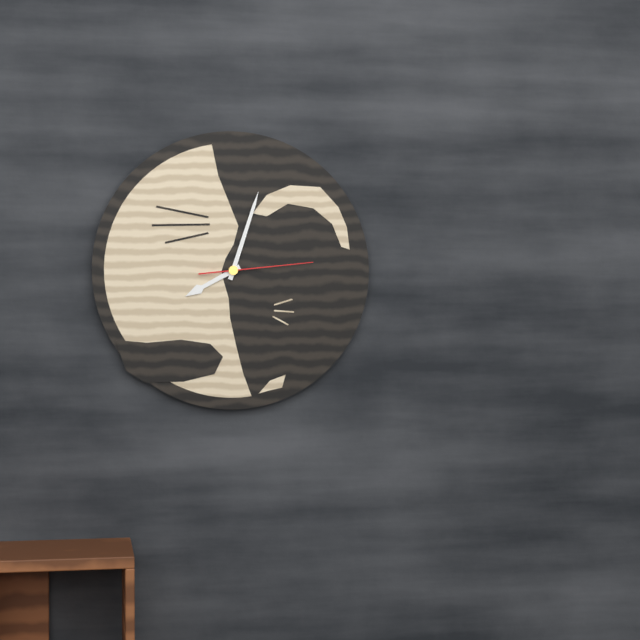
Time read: 8,03,14
